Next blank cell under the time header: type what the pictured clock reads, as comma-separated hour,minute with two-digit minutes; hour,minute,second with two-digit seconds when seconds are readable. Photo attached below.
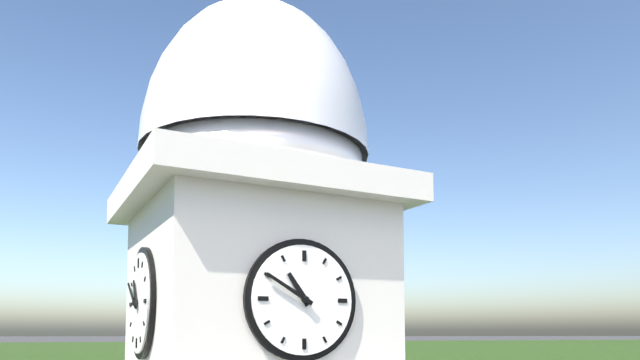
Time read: 10,50
